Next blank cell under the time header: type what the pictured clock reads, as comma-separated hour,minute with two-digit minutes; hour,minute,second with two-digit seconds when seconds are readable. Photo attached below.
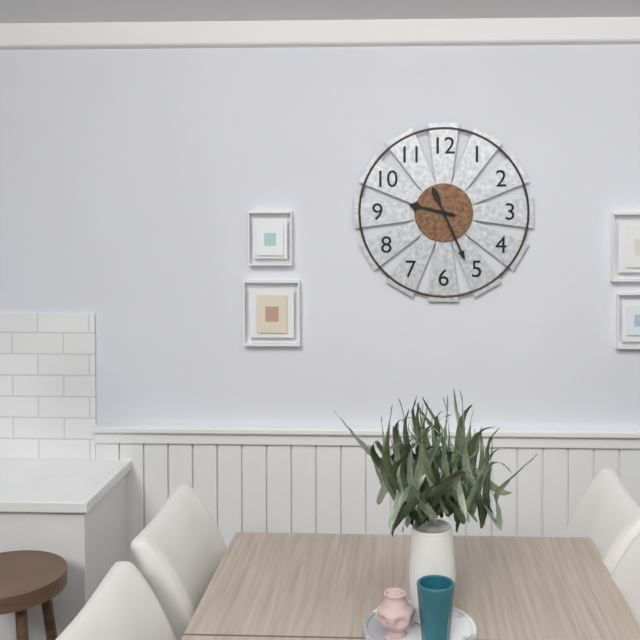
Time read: 9,26
